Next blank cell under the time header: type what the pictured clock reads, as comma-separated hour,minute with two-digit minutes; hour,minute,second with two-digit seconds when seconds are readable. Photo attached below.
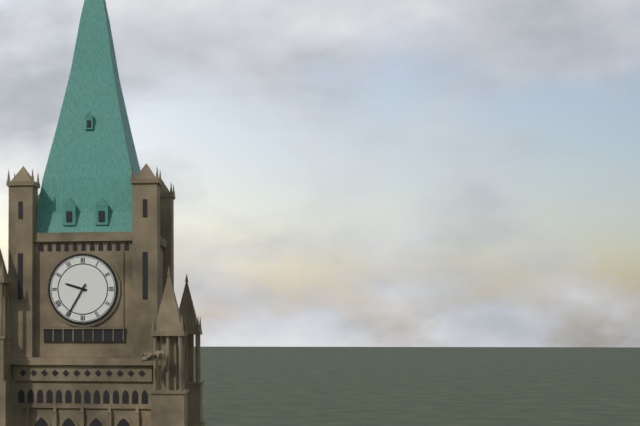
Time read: 9,35
